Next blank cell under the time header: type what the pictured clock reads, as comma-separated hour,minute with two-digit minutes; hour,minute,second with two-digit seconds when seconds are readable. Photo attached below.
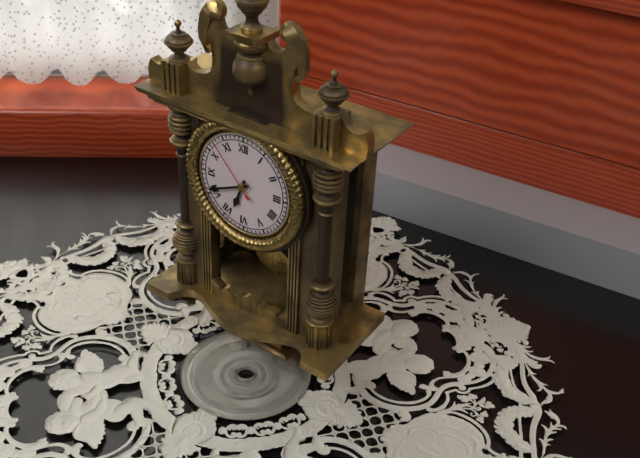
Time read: 6,41,53
